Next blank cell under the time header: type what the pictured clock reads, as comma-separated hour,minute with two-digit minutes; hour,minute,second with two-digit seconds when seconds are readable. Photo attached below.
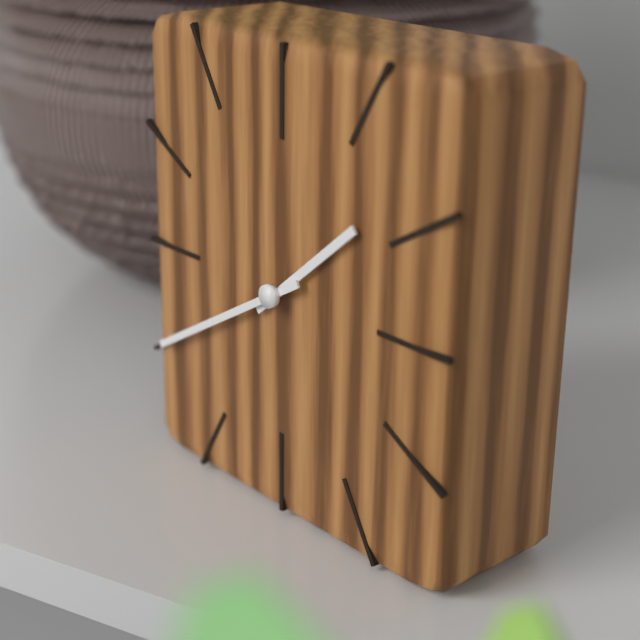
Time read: 1,40
